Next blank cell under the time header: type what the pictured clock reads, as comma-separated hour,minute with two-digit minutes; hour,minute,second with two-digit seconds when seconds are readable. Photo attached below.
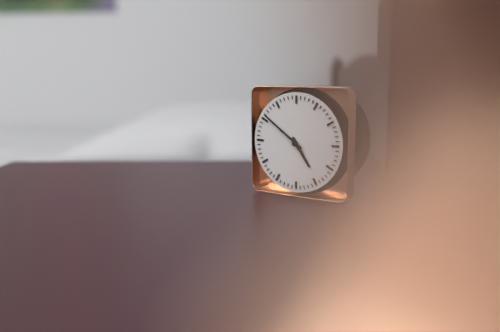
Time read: 4,51
